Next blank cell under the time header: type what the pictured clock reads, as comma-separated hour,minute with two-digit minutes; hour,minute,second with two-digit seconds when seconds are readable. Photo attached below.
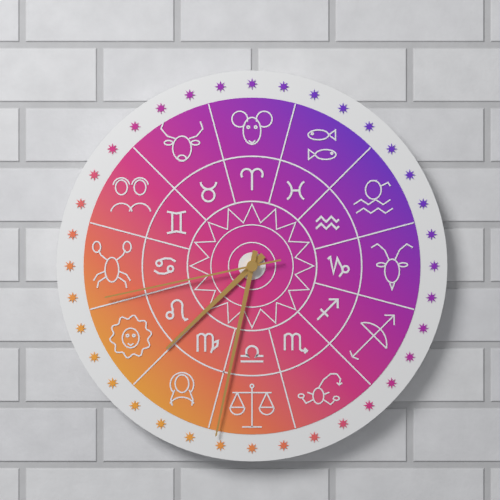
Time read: 7,32,43
